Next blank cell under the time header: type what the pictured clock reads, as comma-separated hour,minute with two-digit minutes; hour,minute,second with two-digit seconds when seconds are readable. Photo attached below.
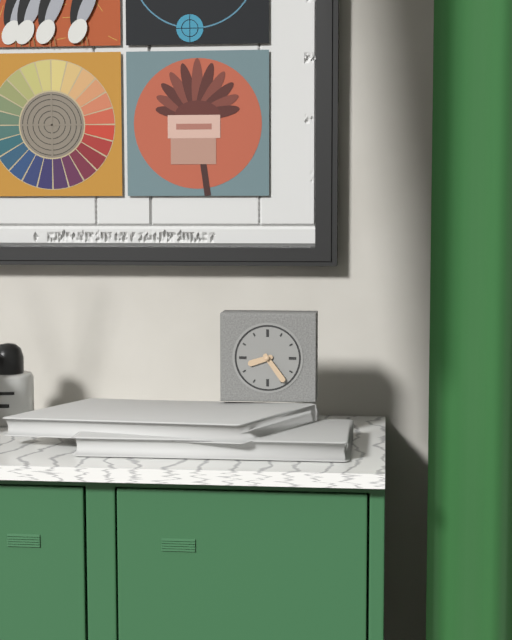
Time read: 8,24
